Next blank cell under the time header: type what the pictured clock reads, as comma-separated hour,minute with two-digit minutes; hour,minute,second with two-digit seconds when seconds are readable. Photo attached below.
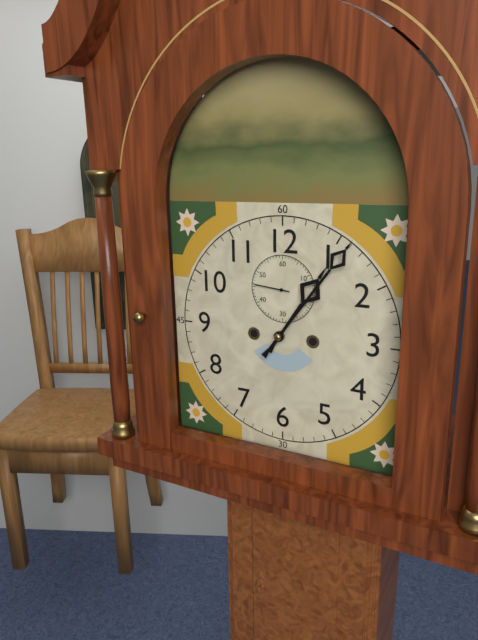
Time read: 1,06
